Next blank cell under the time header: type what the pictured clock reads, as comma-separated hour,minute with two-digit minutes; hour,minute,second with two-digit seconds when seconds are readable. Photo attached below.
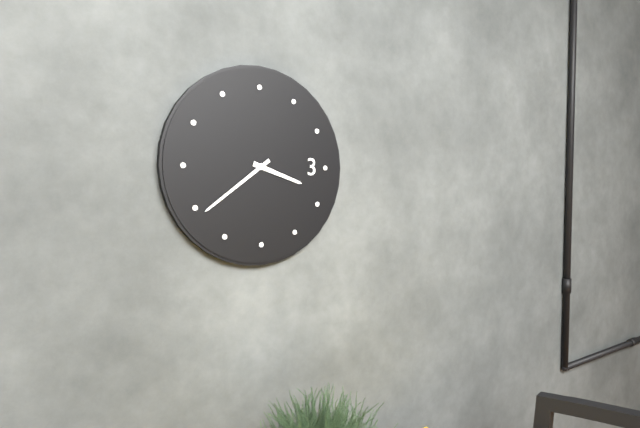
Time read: 3,39
